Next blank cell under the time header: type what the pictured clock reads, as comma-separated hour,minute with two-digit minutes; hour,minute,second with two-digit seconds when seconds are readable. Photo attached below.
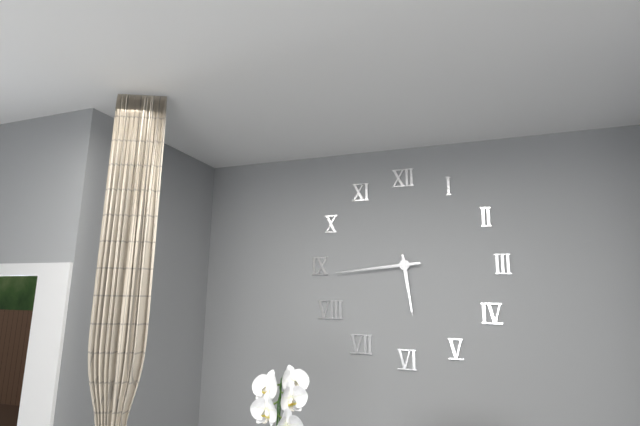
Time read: 5,44
